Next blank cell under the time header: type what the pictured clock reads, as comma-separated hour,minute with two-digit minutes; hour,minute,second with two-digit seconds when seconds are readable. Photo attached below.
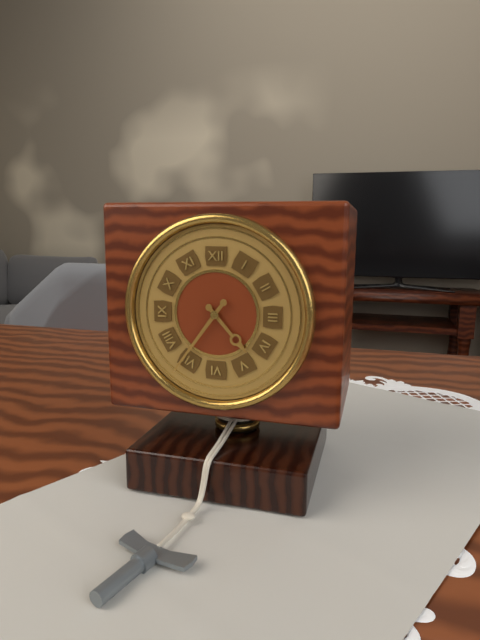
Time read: 4,36
